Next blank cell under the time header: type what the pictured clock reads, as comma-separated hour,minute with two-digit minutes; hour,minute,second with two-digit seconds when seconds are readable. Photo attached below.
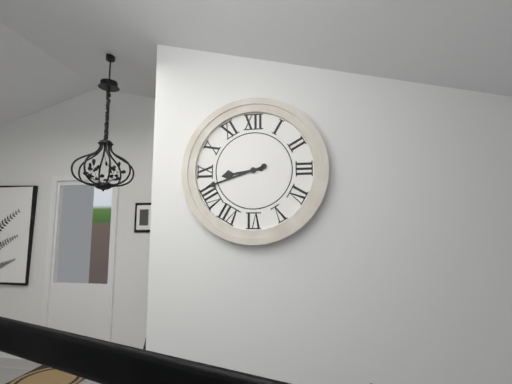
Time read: 8,42
